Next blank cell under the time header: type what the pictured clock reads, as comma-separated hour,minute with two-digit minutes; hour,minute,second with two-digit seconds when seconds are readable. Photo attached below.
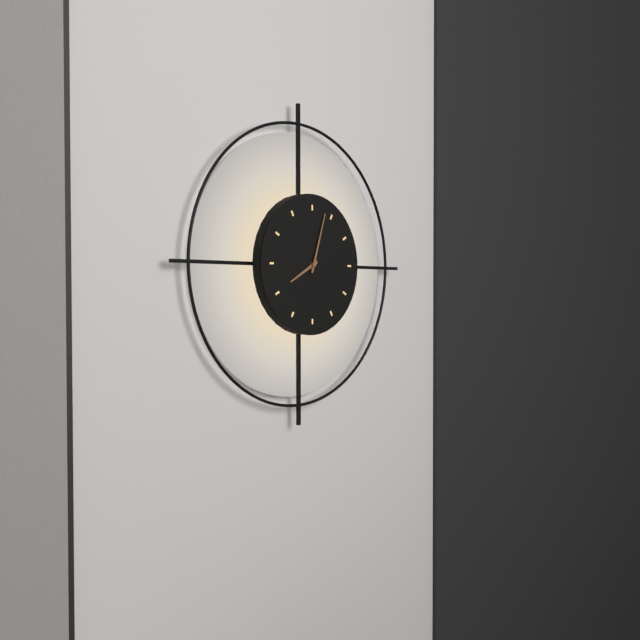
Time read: 8,03
